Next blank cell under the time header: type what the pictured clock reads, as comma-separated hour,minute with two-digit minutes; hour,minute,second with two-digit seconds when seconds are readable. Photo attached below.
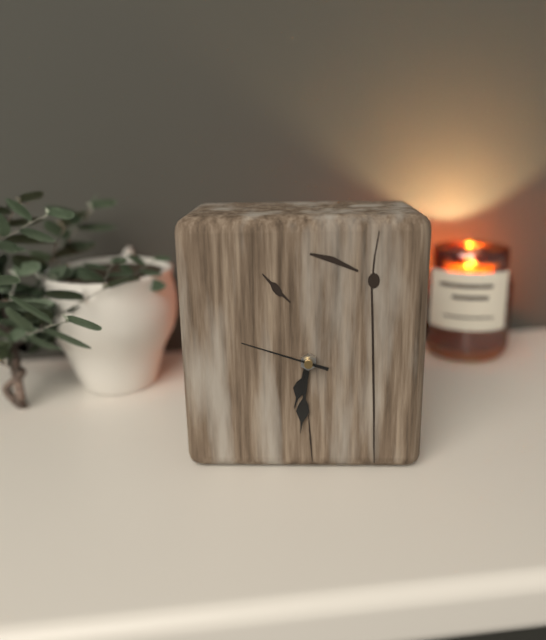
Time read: 6,31,48
